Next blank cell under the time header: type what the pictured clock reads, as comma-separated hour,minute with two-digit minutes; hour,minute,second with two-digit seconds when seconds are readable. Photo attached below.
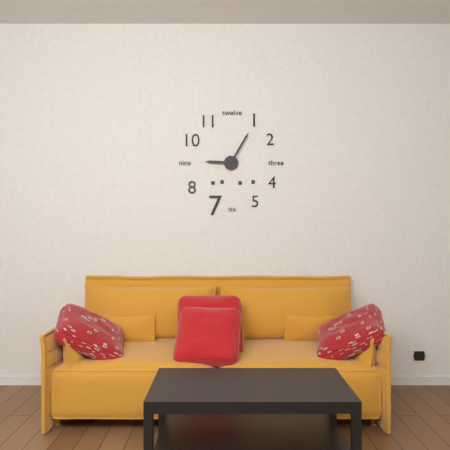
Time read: 9,05
